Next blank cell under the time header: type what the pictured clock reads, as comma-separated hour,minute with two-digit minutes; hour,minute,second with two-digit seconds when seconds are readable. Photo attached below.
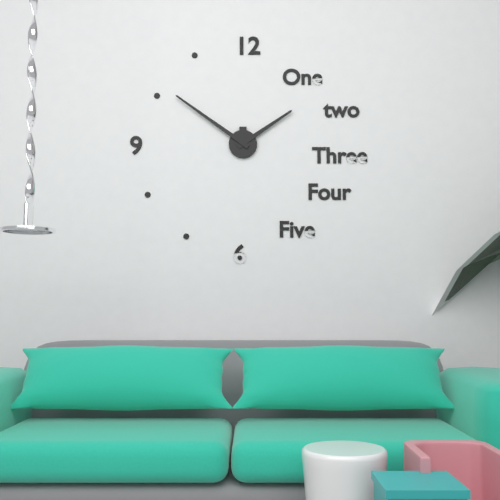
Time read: 1,51
